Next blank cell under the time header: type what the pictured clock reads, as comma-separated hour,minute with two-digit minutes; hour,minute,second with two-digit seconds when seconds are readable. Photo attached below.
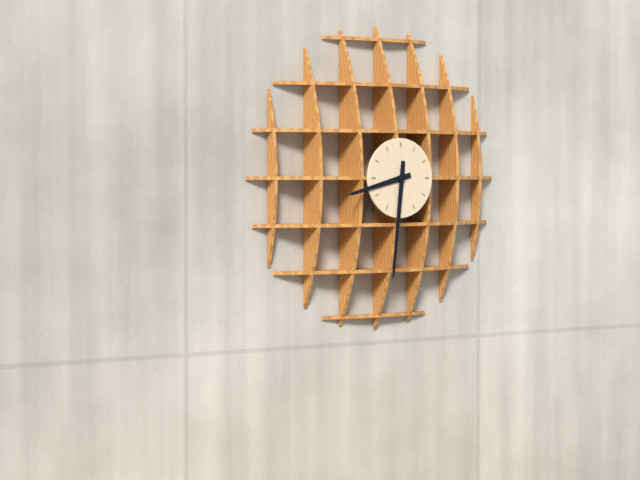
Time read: 8,31
